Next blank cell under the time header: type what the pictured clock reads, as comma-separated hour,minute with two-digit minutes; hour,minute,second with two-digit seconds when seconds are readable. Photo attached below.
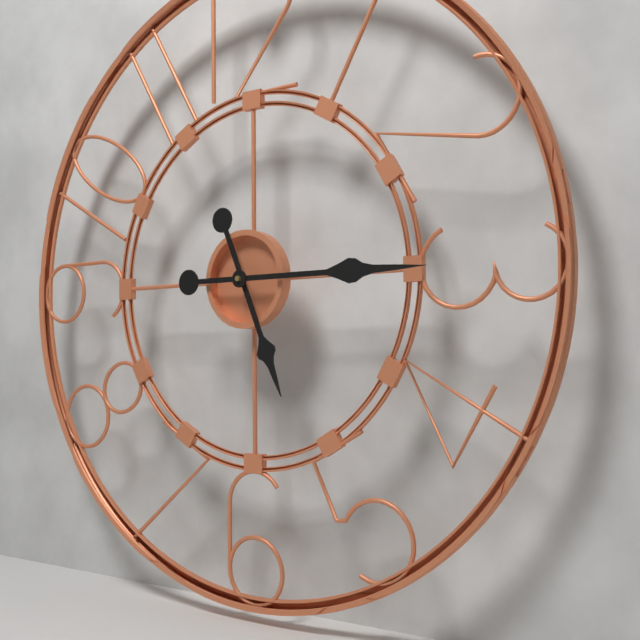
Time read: 5,15
